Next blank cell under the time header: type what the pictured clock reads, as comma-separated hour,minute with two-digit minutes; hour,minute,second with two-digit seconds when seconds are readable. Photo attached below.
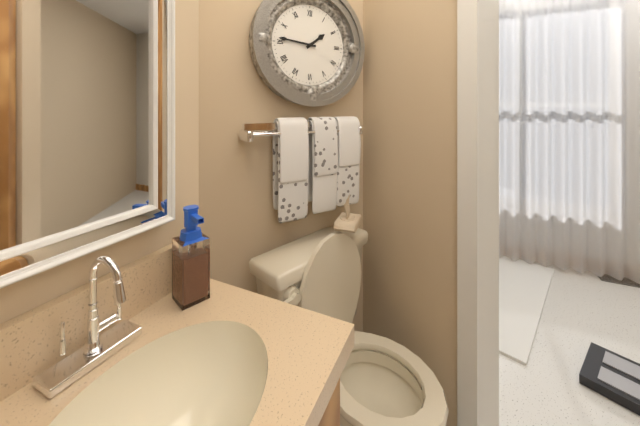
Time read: 1,46
